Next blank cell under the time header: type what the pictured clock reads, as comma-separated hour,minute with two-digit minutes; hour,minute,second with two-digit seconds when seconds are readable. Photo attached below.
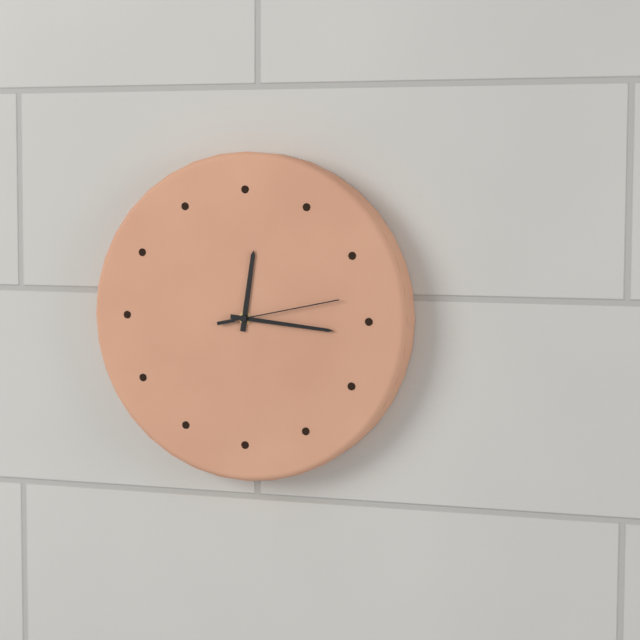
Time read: 12,16,13
